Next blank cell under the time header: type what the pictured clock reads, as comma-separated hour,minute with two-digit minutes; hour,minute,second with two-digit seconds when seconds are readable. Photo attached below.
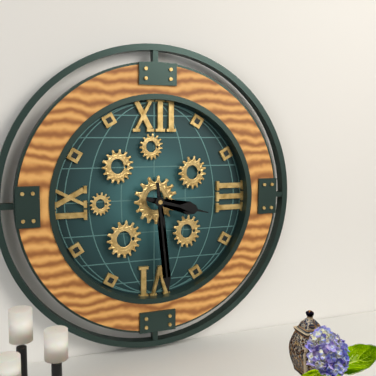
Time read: 3,29
